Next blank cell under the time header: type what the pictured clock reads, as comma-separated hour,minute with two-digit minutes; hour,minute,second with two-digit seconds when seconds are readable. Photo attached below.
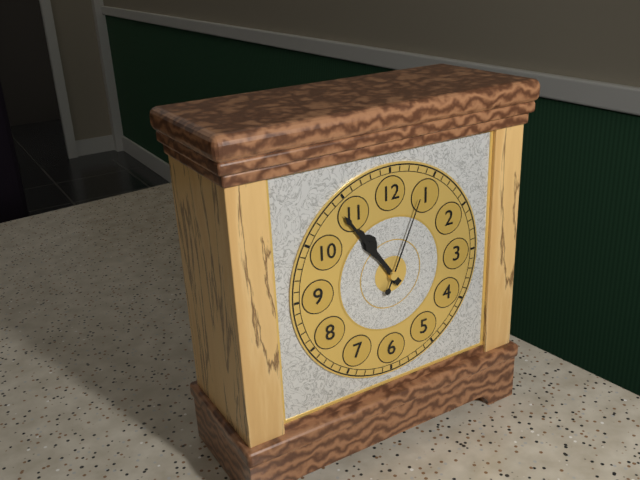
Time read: 10,54,04
